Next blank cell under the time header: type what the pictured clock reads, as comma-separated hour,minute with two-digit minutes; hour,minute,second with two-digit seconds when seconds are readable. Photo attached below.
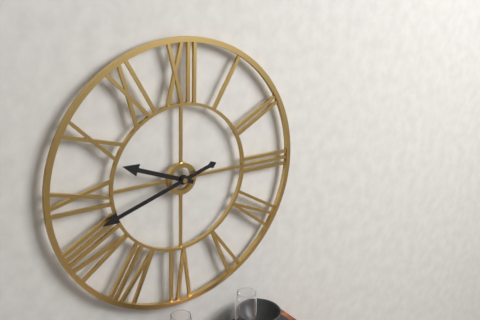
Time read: 9,42
